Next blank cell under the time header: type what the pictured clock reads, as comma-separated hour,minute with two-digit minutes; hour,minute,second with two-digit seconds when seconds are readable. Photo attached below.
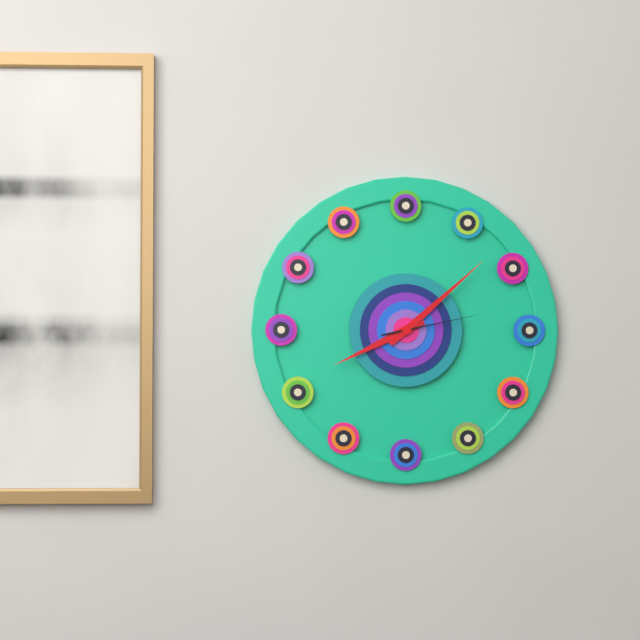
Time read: 8,08,13
